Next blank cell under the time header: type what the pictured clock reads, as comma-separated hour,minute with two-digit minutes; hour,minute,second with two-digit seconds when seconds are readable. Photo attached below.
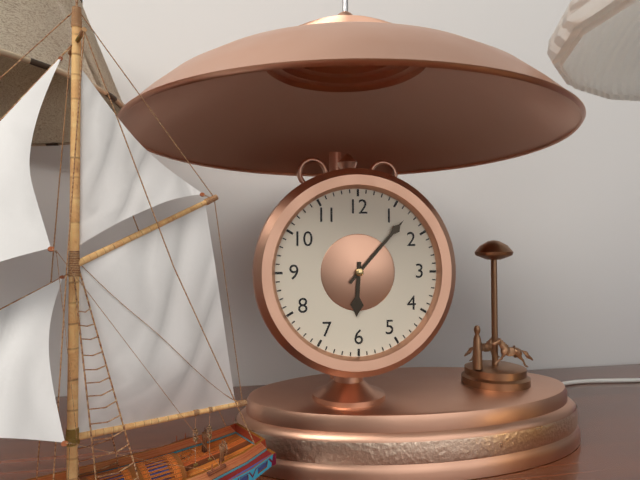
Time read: 6,07
